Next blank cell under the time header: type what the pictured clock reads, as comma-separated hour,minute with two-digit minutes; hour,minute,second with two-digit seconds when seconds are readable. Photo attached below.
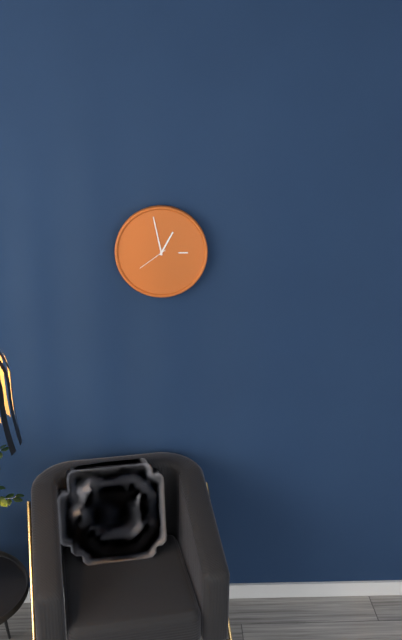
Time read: 12,58
